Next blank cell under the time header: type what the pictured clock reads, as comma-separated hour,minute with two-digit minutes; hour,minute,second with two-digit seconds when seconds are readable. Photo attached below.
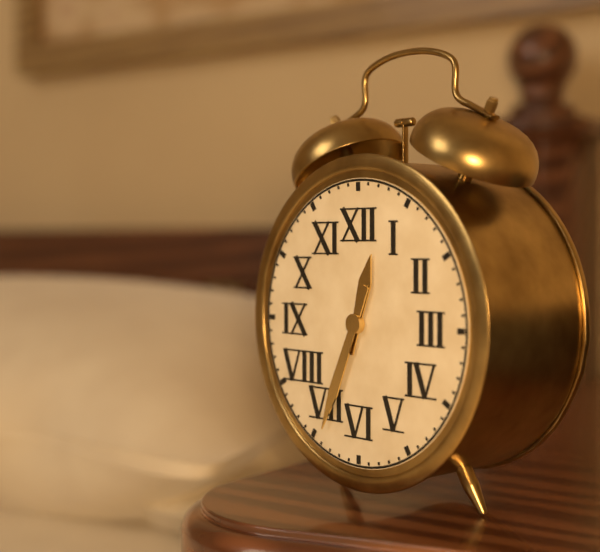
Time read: 12,34
